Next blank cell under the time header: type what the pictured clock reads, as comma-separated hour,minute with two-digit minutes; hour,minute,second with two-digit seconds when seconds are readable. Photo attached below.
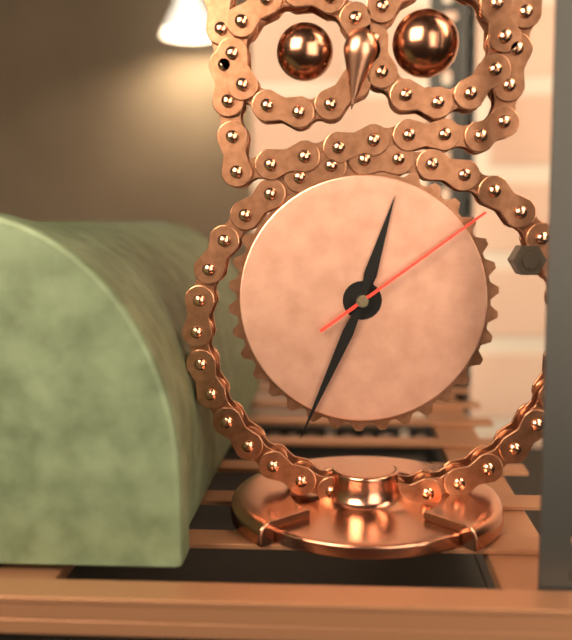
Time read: 12,34,09
